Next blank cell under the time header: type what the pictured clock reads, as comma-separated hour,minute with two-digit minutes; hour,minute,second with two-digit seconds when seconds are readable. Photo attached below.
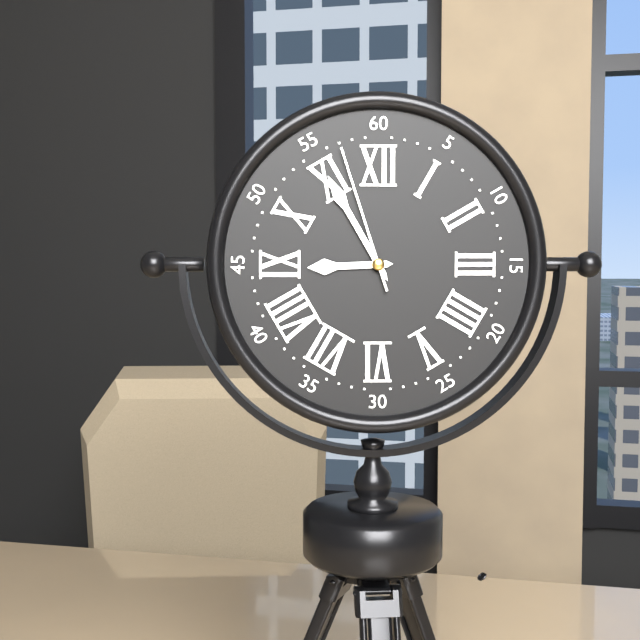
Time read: 8,55,57
